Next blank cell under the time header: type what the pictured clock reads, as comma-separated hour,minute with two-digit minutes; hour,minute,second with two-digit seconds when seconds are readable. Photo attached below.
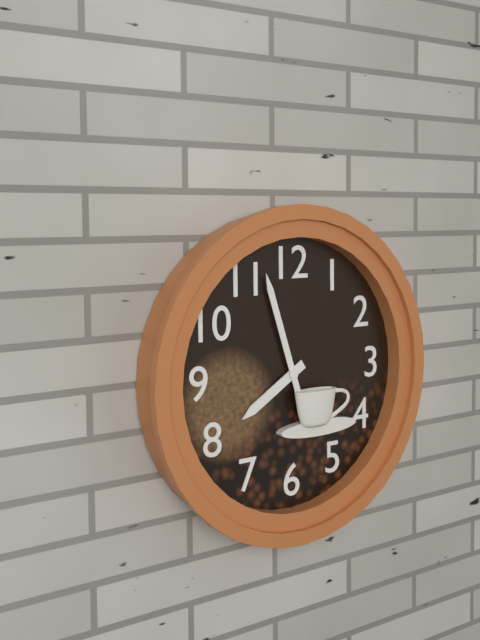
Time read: 7,57
